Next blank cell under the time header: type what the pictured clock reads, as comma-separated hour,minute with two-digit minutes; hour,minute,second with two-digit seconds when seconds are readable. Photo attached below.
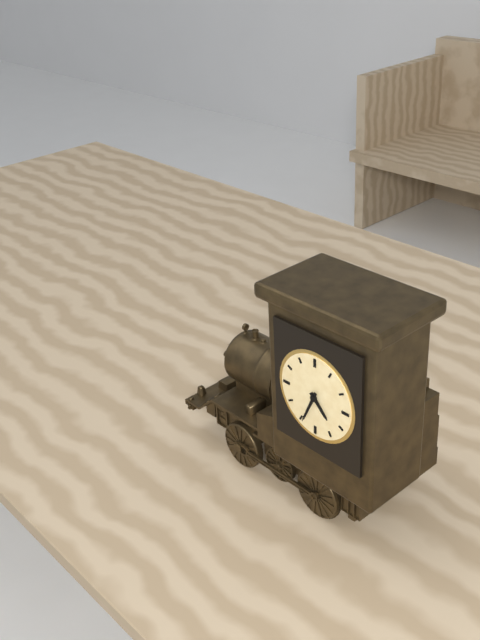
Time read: 4,34
